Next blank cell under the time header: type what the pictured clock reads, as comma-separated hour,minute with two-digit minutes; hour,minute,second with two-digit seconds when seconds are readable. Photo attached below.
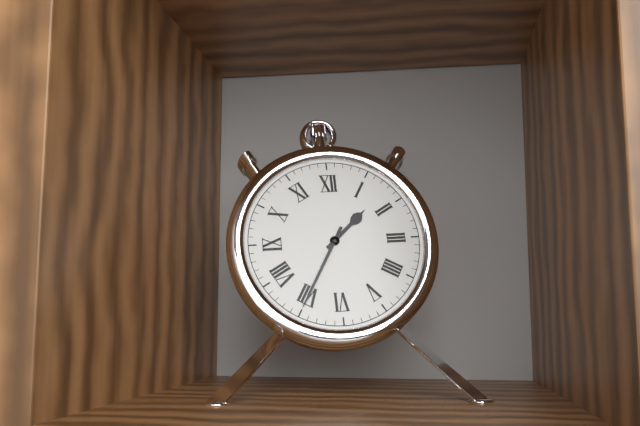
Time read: 1,35
